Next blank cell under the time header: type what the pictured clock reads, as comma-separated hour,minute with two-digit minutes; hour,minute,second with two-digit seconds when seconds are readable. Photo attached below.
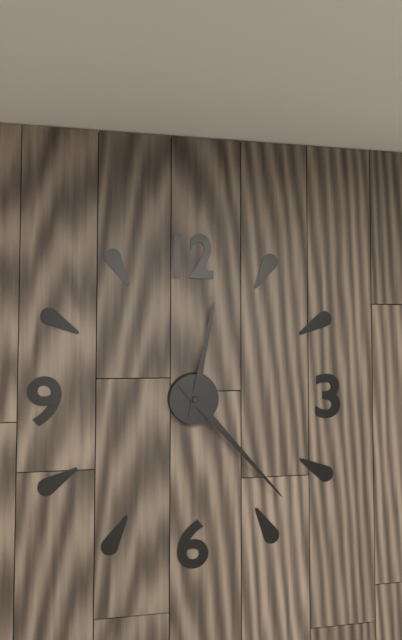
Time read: 12,23
